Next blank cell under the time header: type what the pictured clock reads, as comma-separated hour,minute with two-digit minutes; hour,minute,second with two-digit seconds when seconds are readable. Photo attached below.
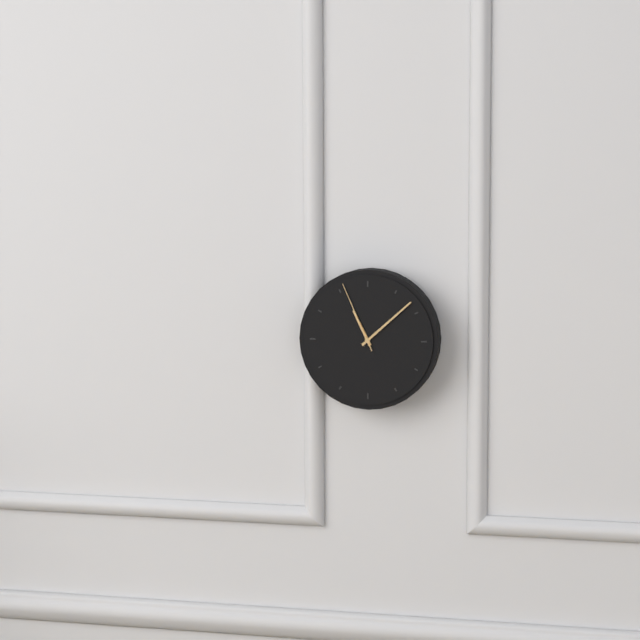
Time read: 11,08,56
